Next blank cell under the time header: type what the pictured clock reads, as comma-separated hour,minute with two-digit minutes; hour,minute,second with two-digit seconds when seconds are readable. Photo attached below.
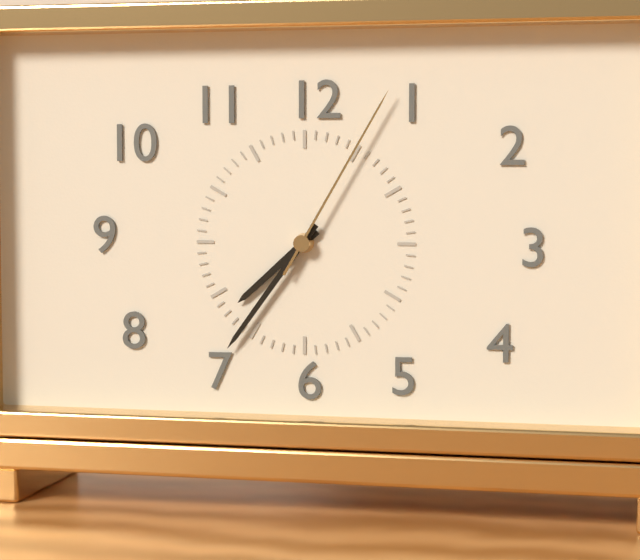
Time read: 7,36,05
